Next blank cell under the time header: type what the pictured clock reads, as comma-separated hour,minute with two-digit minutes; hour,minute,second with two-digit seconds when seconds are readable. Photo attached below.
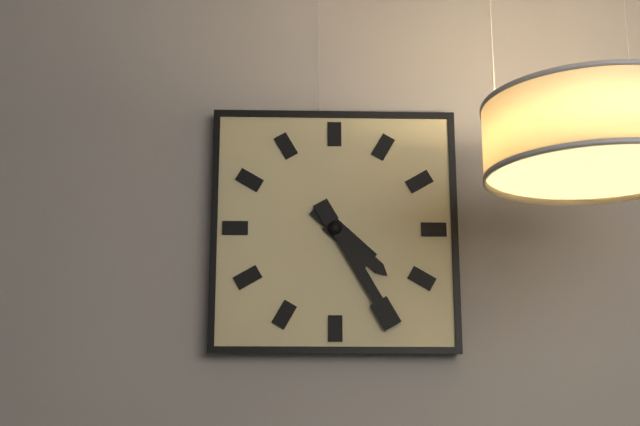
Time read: 4,25
